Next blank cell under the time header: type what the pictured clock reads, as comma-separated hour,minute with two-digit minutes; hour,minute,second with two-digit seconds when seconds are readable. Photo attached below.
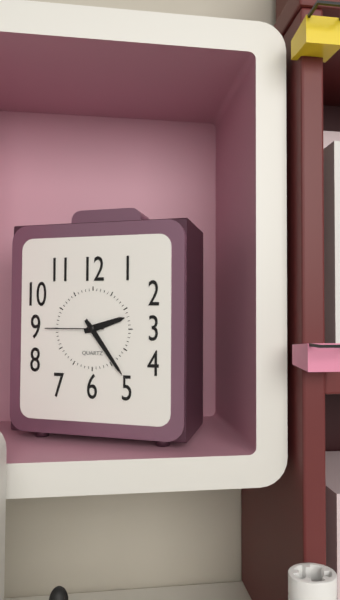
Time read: 2,24,45
